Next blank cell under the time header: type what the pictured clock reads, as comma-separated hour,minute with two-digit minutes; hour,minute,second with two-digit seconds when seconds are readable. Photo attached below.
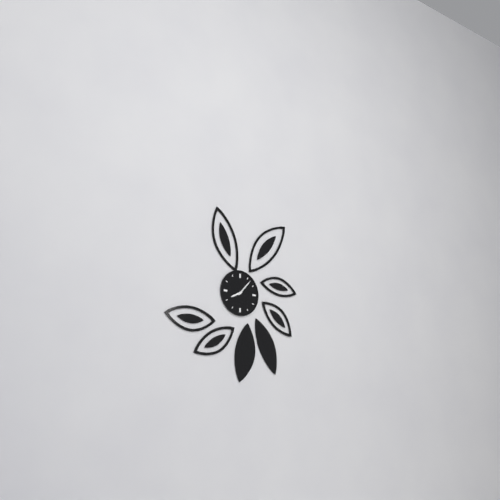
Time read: 8,07
